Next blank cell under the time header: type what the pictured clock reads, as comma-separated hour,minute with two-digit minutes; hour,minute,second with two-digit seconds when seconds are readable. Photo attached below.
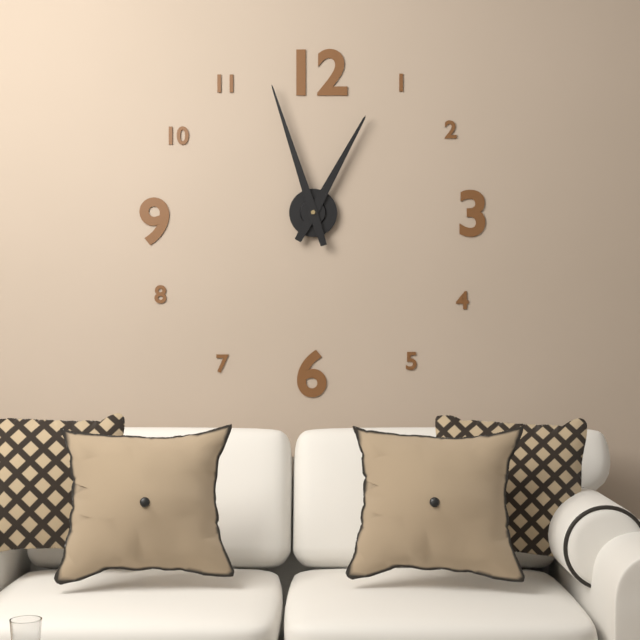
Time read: 12,57
